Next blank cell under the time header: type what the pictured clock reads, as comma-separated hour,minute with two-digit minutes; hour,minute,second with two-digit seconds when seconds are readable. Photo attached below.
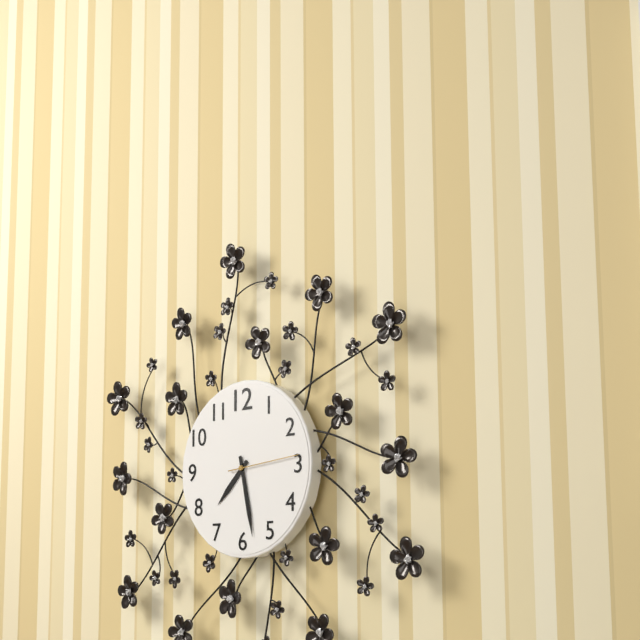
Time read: 7,28,14
